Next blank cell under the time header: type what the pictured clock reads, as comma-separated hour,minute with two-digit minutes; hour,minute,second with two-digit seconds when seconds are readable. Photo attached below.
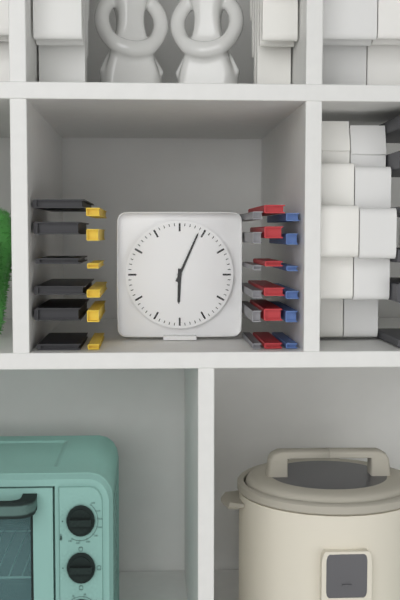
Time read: 6,04
